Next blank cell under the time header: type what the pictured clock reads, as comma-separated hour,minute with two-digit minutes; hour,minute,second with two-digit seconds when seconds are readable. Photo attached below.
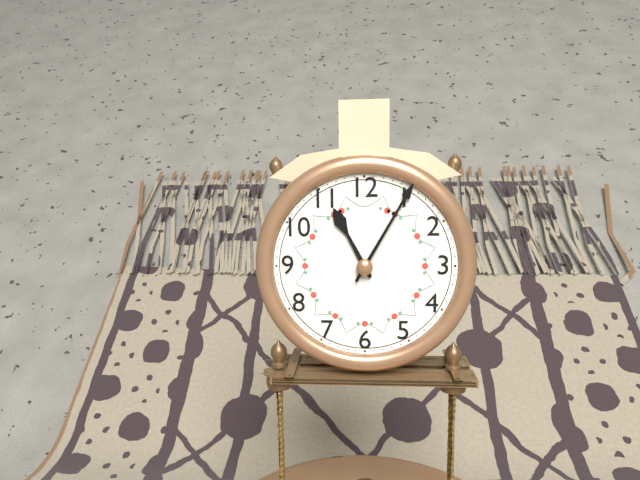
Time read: 11,05
